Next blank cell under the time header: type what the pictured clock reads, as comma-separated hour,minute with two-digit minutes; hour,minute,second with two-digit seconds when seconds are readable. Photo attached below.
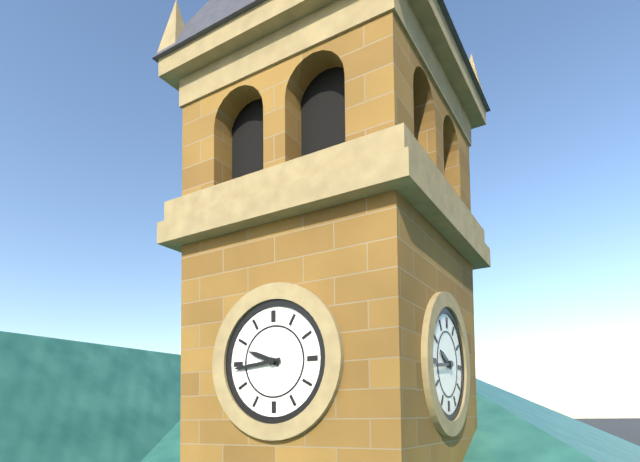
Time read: 9,44
